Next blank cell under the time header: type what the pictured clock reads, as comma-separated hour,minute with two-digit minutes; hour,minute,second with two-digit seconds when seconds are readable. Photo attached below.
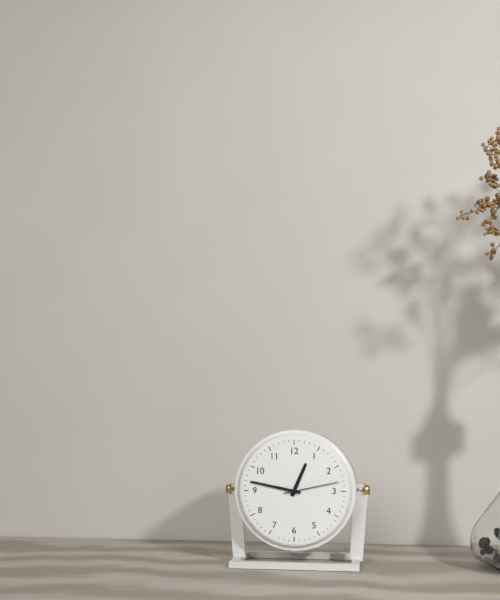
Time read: 12,47,13
